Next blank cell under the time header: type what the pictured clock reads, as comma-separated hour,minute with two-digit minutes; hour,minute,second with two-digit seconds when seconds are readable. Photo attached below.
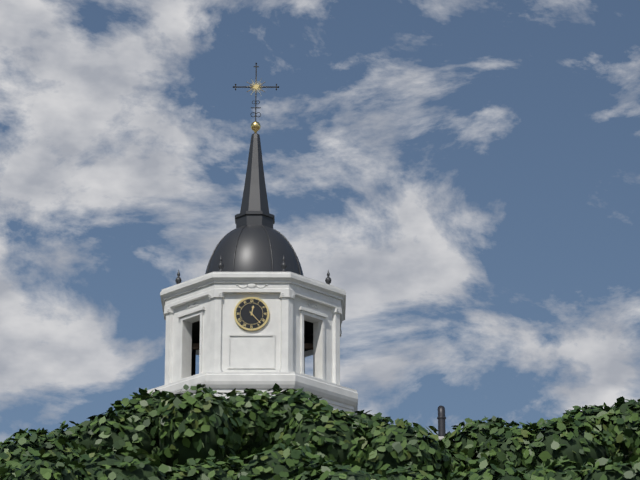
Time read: 12,23
